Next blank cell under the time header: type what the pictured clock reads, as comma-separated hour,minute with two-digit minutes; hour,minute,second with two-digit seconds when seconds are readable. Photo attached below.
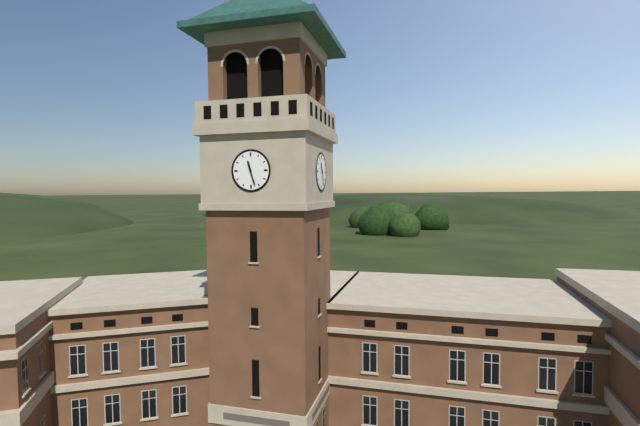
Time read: 11,27
